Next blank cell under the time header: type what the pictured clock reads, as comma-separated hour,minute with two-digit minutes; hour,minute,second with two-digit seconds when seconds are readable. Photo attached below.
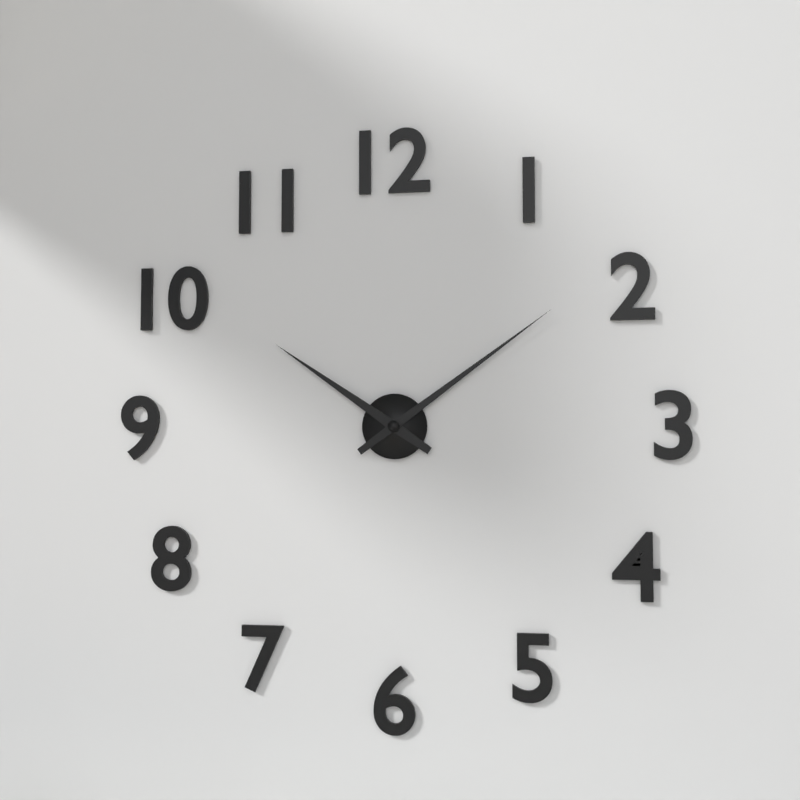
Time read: 10,09
